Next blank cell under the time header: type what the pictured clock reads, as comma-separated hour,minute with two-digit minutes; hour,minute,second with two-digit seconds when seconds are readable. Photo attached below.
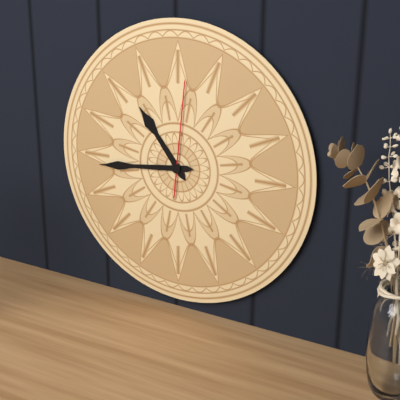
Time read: 10,44,01
